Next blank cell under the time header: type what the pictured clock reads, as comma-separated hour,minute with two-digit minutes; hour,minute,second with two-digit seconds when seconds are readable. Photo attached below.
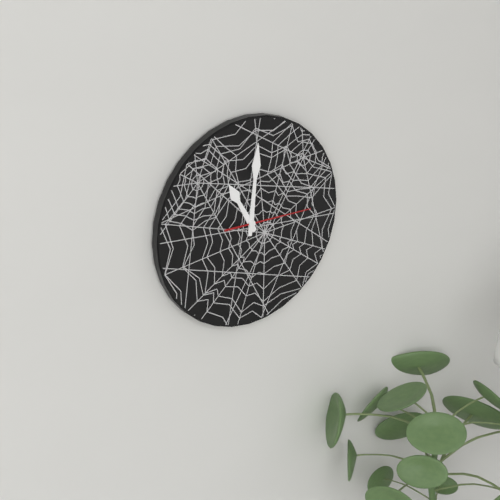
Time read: 11,01,15
